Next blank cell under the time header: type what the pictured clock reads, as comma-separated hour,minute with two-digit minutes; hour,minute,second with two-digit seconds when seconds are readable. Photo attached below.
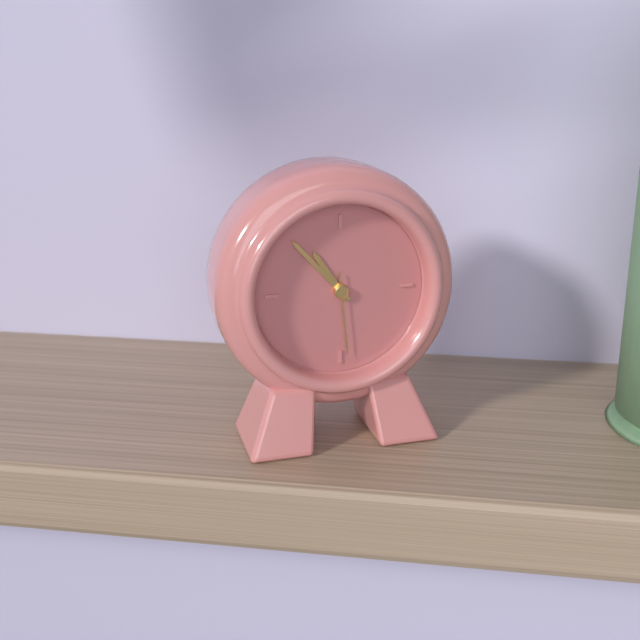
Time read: 10,53,29
